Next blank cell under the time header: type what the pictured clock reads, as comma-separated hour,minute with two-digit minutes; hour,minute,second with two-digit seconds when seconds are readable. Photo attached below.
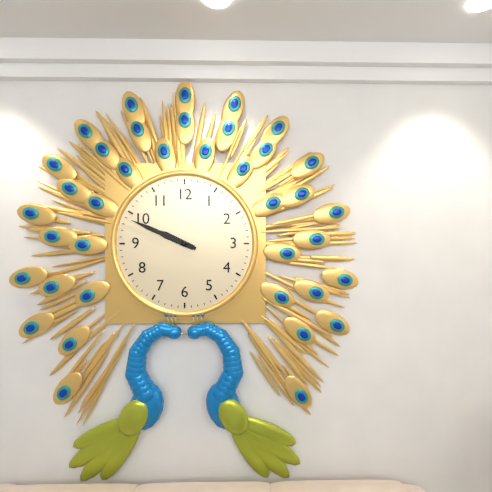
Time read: 9,49
